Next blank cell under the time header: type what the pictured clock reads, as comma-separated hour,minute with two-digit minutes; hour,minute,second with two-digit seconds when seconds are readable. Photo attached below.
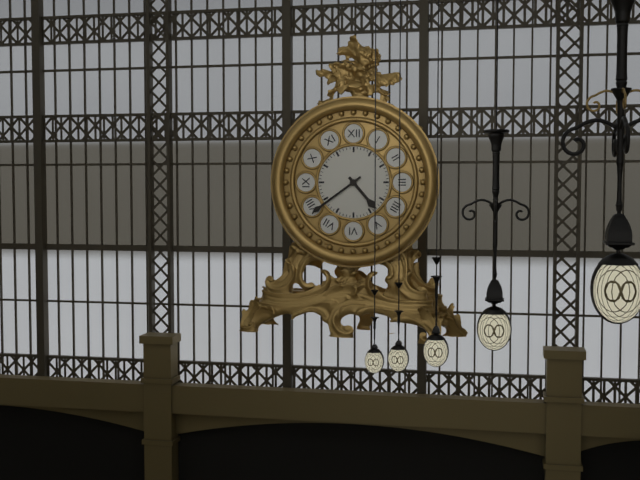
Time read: 4,39
